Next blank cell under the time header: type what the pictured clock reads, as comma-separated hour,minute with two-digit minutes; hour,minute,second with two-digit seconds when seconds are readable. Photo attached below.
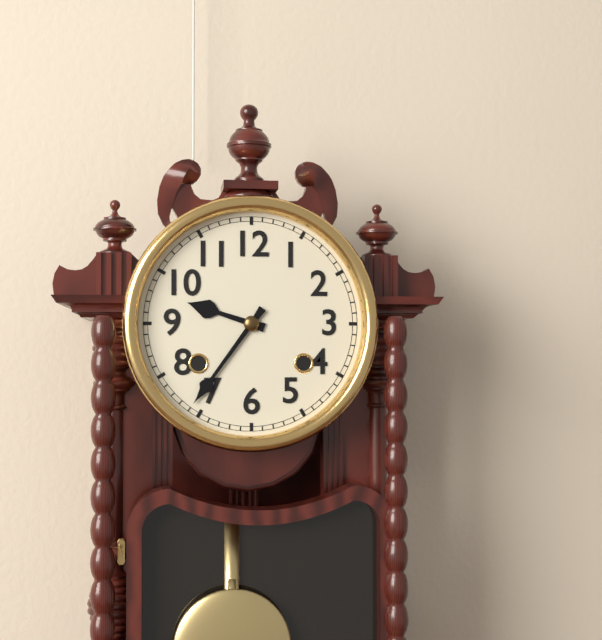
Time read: 9,36
